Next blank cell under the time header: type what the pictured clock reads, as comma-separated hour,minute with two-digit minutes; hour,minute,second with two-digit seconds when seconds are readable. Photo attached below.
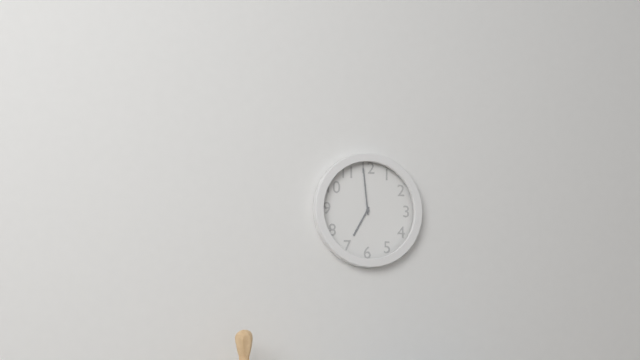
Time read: 6,59
